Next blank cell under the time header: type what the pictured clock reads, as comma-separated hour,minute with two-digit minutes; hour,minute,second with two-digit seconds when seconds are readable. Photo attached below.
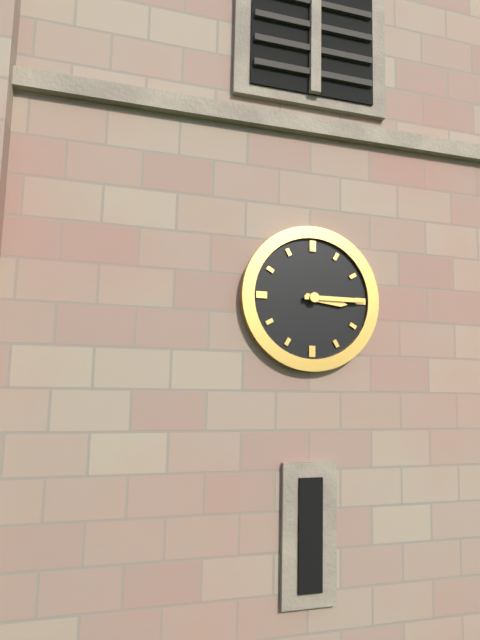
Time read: 3,15
